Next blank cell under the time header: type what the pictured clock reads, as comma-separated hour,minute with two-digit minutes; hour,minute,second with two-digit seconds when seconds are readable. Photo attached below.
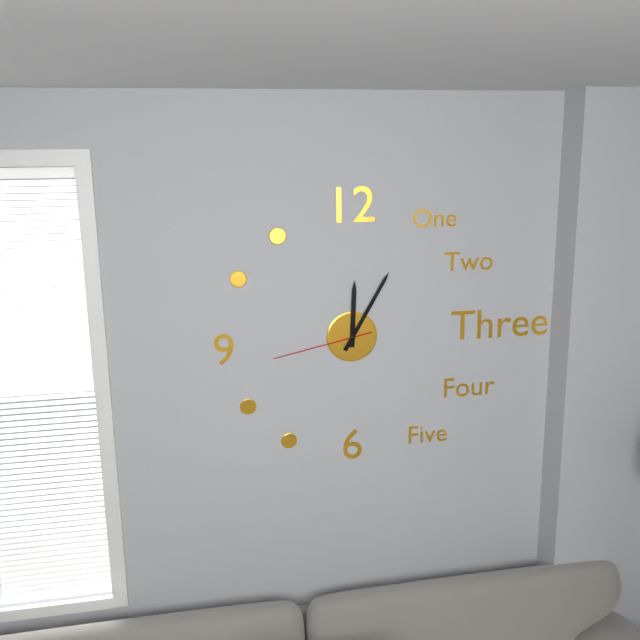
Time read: 12,05,43
